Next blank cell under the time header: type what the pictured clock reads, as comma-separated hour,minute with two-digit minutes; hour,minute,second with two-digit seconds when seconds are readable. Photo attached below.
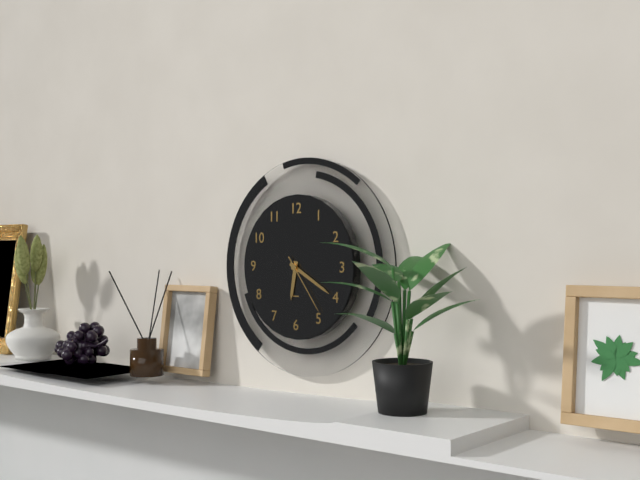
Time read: 6,20,24
